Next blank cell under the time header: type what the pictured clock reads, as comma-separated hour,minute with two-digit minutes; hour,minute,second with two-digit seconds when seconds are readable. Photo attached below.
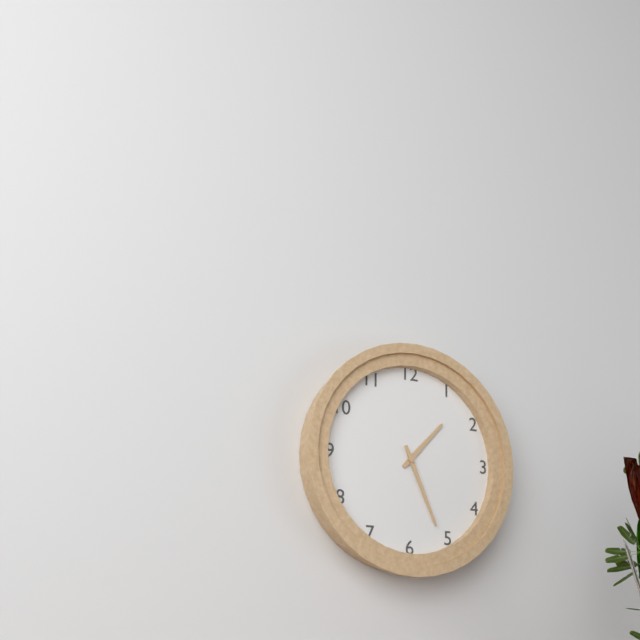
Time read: 1,26
